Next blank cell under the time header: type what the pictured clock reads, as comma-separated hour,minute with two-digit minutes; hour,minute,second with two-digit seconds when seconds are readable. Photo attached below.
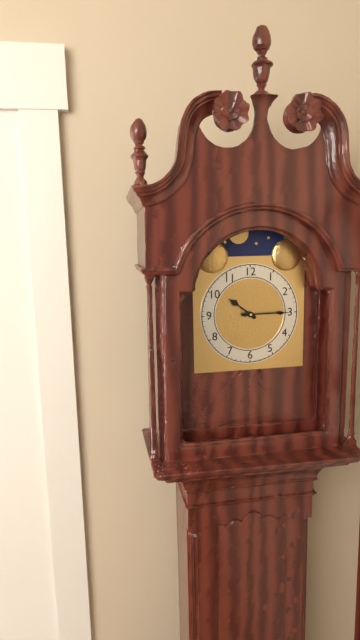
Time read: 10,15
